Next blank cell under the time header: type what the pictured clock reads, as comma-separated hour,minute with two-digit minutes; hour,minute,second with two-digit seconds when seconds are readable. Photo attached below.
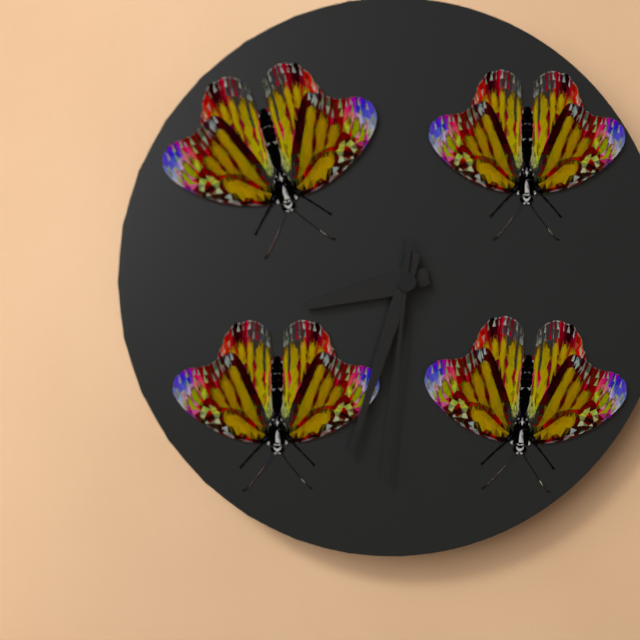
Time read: 8,33,31
